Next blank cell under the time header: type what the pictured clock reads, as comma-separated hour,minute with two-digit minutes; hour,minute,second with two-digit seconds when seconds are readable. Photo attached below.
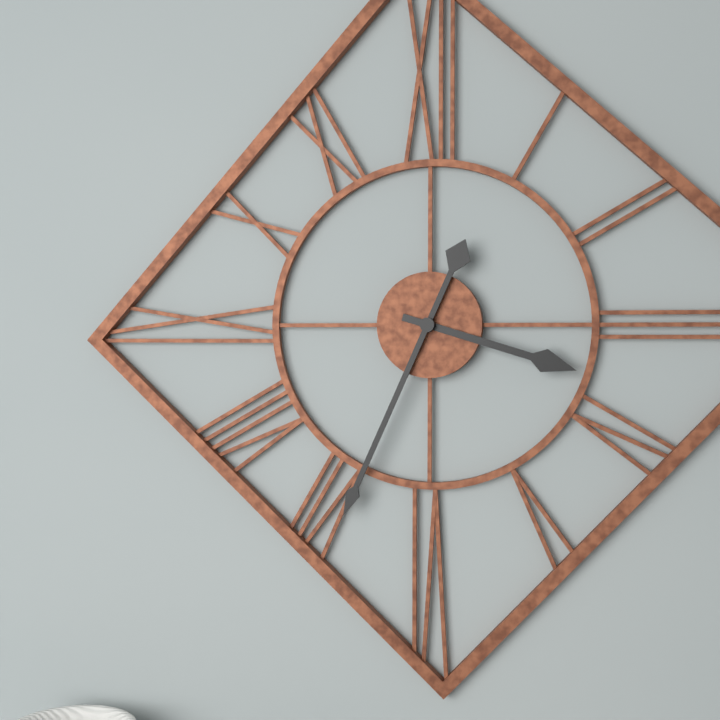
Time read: 3,34
